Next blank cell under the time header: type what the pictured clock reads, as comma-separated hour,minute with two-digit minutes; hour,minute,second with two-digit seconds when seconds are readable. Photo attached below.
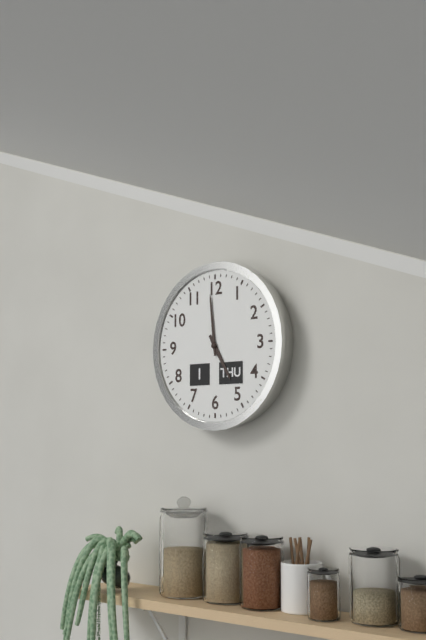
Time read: 4,59
